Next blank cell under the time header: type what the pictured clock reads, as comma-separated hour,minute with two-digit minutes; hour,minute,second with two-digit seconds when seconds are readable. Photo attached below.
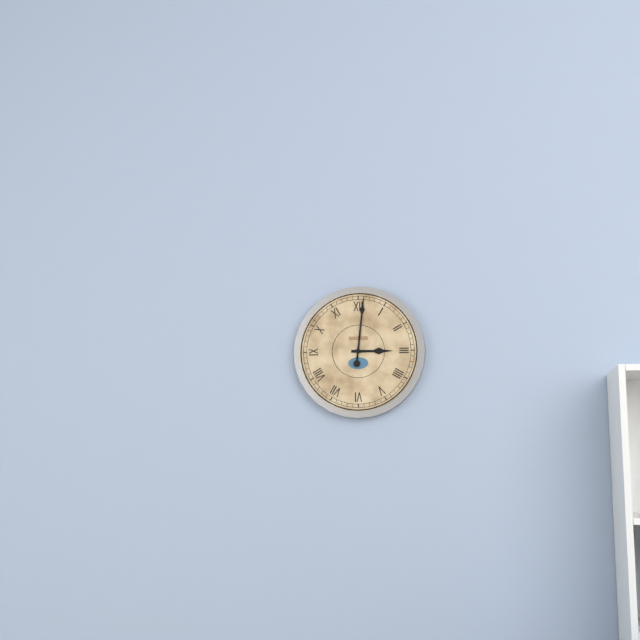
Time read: 3,01
